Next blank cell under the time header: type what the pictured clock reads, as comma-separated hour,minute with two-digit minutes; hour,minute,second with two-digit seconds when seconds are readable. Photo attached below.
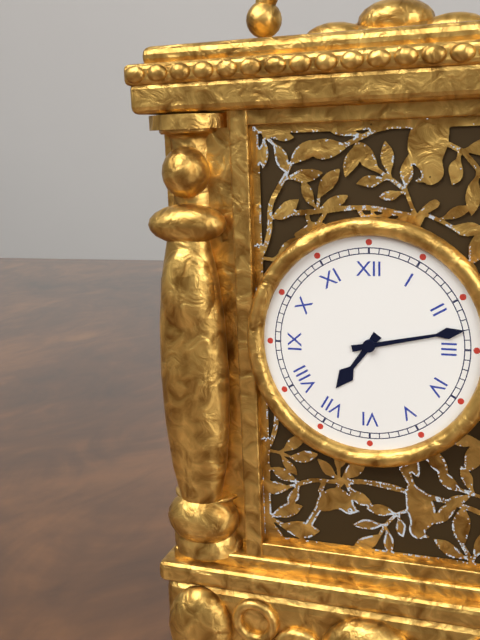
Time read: 7,13
